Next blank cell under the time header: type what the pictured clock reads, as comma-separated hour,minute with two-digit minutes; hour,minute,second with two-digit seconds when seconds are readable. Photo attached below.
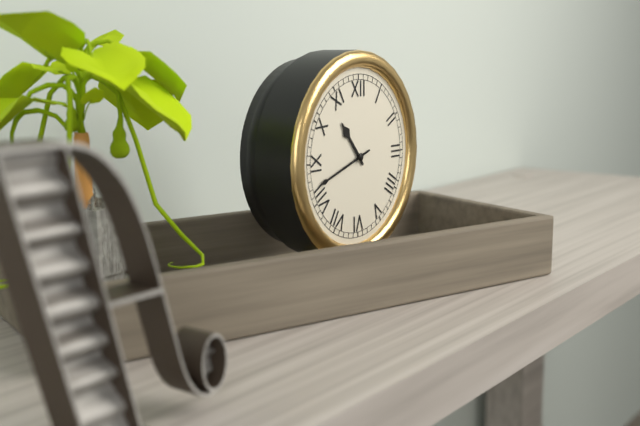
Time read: 10,42
